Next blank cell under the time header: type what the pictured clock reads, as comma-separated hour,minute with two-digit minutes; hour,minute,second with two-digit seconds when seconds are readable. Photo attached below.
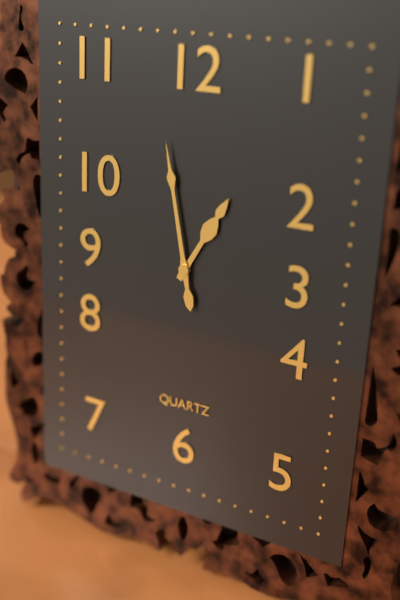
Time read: 12,58
